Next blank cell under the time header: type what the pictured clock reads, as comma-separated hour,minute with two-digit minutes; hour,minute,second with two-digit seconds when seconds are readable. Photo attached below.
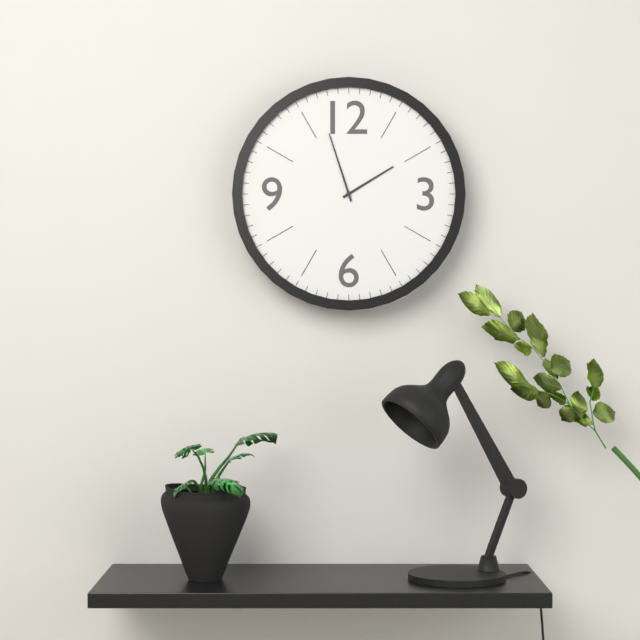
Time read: 1,57
